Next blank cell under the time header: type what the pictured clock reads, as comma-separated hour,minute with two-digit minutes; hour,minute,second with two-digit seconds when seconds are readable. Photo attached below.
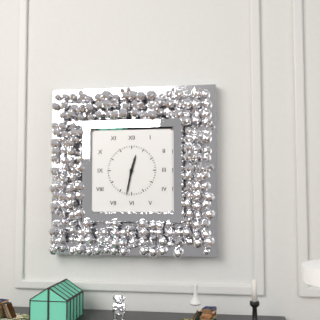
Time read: 12,32
